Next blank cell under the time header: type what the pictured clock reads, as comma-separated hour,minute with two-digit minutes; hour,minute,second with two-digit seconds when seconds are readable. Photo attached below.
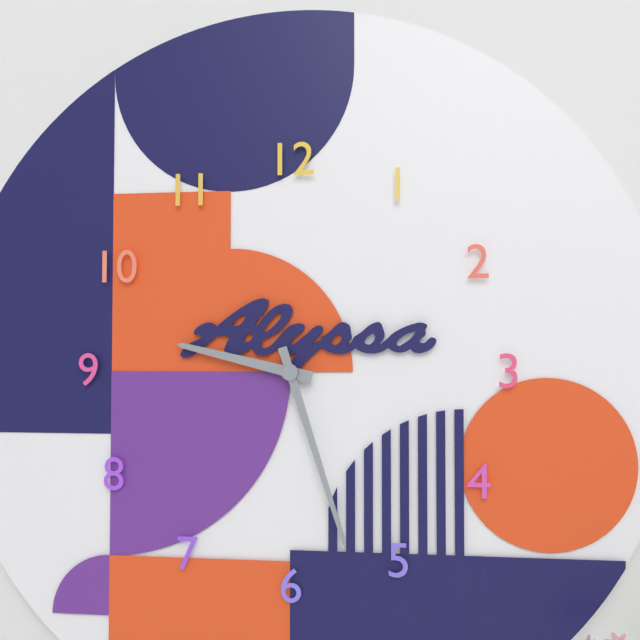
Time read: 9,27
